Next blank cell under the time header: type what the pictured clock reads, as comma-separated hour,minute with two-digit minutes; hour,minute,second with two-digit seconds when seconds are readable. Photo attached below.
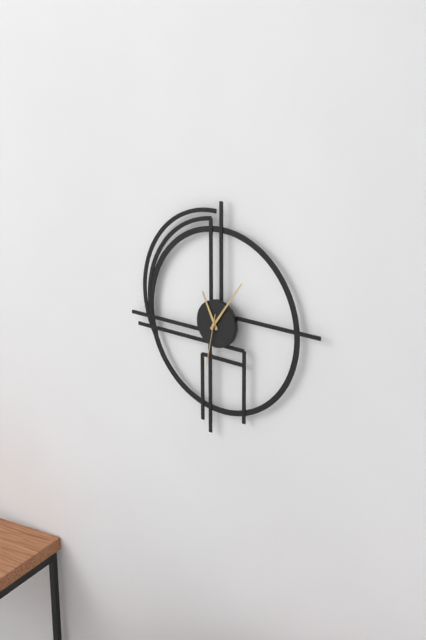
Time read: 11,06,32
